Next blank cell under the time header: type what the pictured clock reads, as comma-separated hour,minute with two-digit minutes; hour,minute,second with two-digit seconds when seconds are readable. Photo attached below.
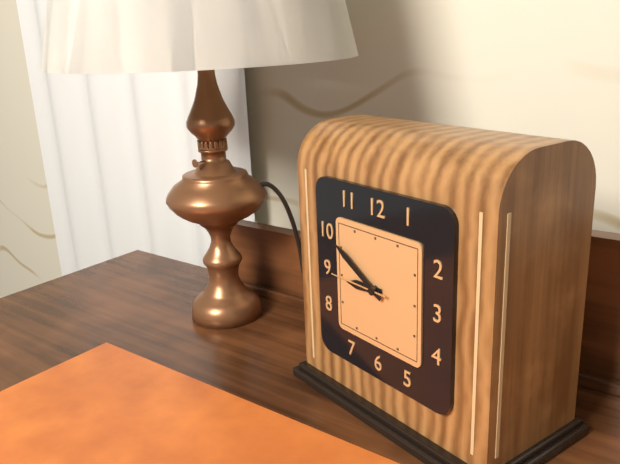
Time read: 8,50,45
